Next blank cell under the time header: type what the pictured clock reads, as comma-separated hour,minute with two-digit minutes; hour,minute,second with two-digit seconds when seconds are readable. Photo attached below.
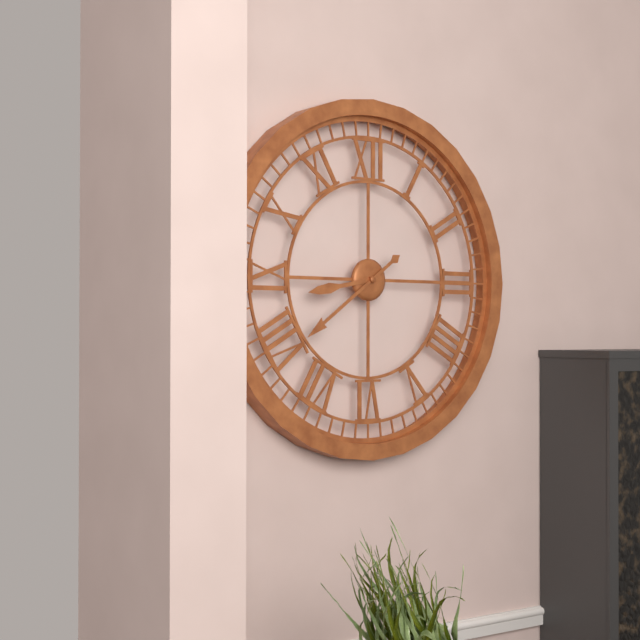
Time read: 8,39
